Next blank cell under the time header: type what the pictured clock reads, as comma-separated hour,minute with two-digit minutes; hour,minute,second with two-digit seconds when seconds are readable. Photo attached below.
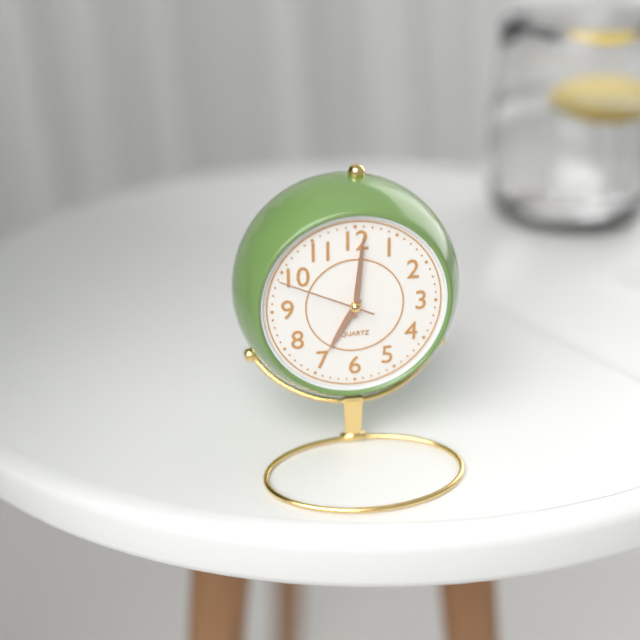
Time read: 7,01,49
